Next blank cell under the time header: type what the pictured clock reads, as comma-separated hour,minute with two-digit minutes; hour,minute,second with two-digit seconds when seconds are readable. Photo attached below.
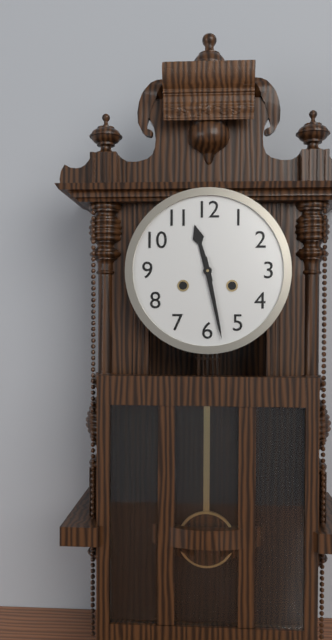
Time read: 11,28
